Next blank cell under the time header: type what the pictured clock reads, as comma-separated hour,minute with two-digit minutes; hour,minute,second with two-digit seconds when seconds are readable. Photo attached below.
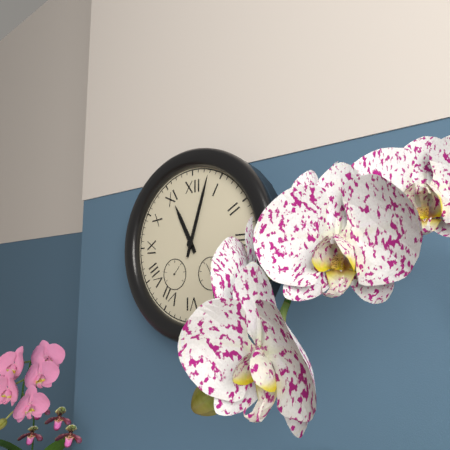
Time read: 11,03
